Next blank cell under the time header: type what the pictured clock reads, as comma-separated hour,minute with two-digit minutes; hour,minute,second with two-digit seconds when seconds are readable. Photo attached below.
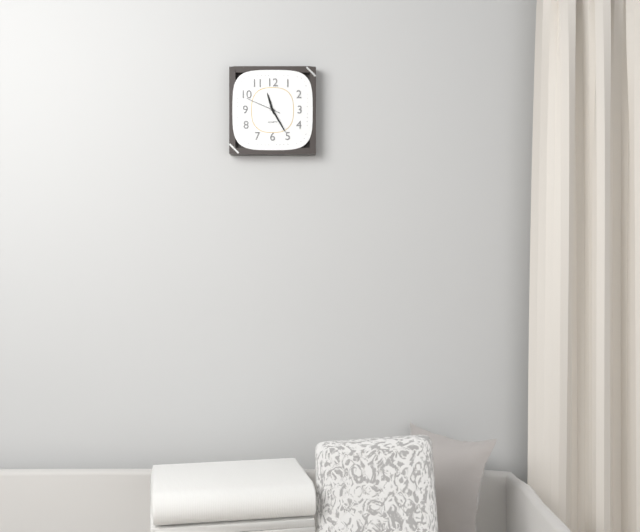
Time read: 11,25
